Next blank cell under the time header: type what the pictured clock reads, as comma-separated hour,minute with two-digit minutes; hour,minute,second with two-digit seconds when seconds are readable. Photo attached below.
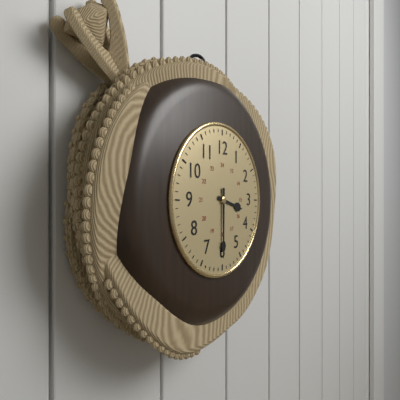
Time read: 3,30
